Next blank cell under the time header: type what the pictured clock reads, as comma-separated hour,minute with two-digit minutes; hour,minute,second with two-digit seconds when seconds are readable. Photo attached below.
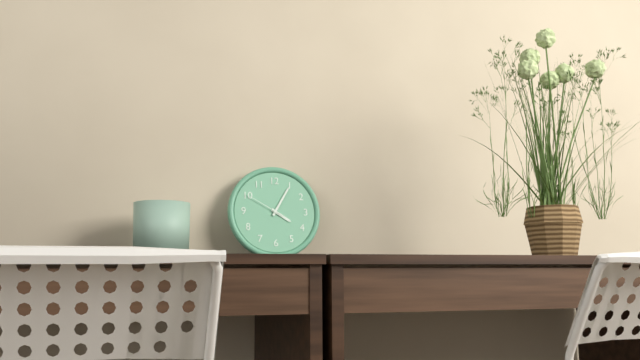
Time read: 4,05
